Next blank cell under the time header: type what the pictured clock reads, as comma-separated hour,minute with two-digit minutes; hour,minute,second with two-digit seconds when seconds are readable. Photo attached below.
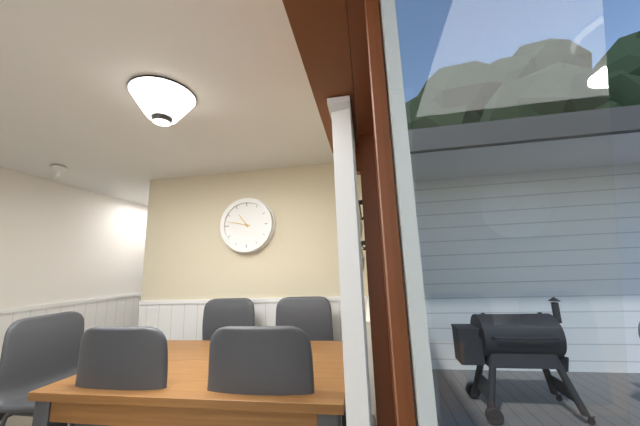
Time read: 10,47
